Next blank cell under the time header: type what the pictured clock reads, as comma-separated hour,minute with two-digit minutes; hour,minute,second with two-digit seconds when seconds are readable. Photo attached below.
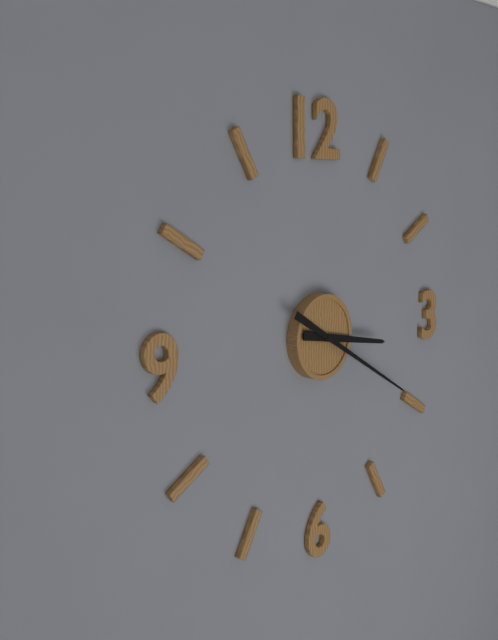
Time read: 3,20
